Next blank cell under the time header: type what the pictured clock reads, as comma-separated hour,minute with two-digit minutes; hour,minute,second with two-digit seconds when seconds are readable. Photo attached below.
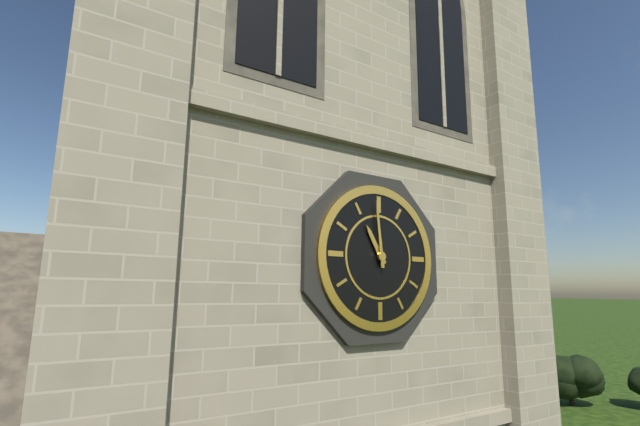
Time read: 10,59
